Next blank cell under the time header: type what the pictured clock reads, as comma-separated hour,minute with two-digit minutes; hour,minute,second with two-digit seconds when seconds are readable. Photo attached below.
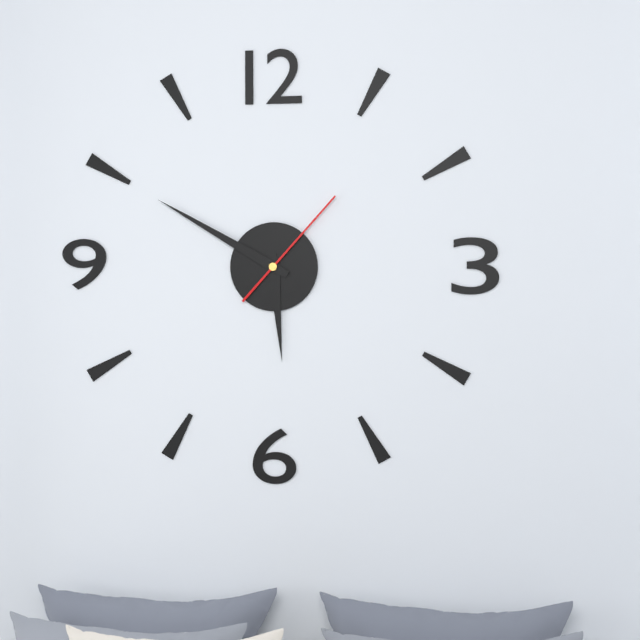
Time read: 5,50,07
